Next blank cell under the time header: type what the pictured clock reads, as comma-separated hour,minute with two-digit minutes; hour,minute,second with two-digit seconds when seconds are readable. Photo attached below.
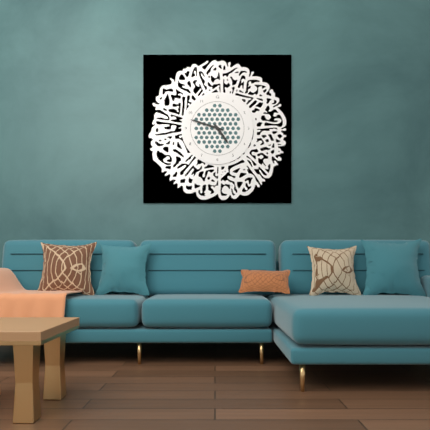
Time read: 4,48
